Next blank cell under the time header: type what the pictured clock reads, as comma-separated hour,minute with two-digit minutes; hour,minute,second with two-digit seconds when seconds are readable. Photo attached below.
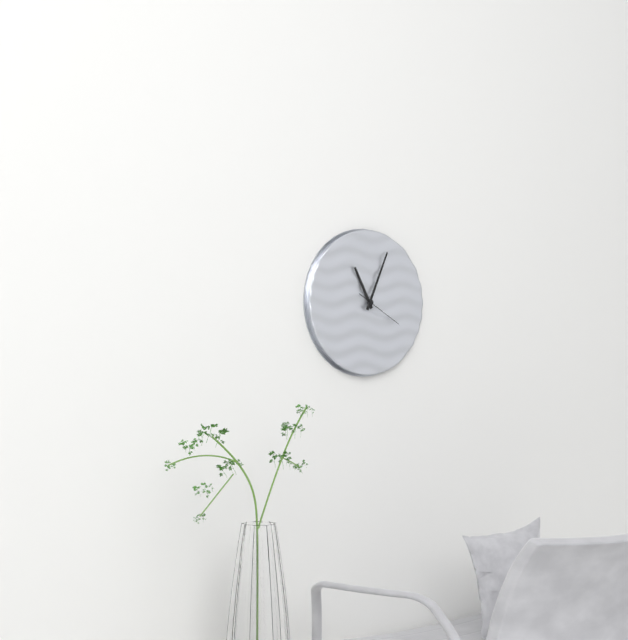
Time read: 11,04
